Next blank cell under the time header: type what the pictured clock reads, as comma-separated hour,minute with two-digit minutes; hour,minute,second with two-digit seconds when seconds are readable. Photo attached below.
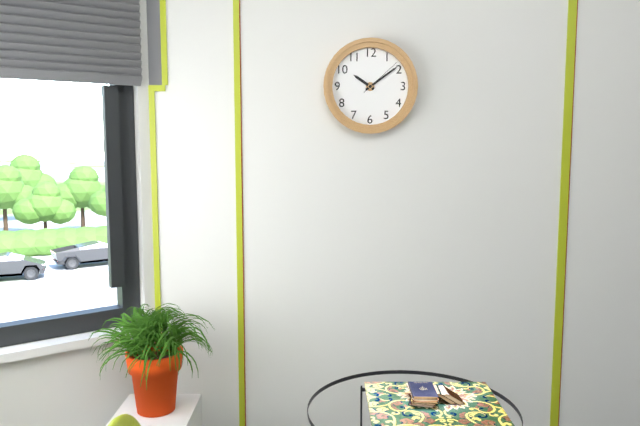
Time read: 10,09
